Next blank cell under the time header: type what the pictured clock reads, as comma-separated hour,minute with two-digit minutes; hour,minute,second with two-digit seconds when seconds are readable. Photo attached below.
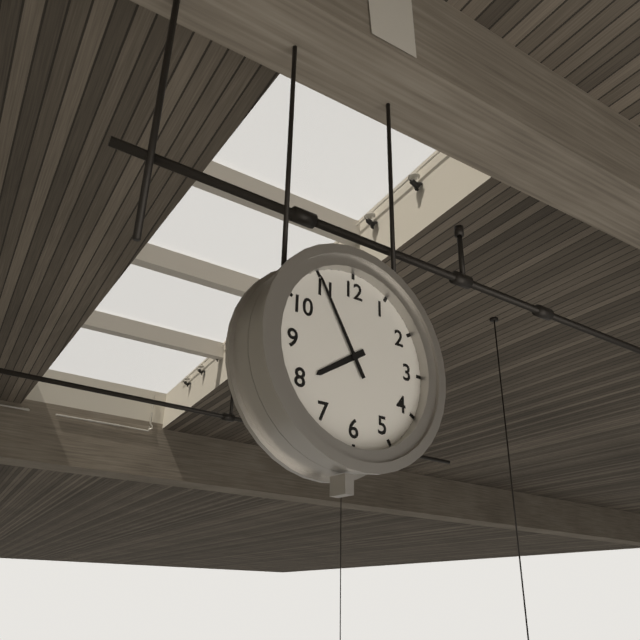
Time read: 7,55
